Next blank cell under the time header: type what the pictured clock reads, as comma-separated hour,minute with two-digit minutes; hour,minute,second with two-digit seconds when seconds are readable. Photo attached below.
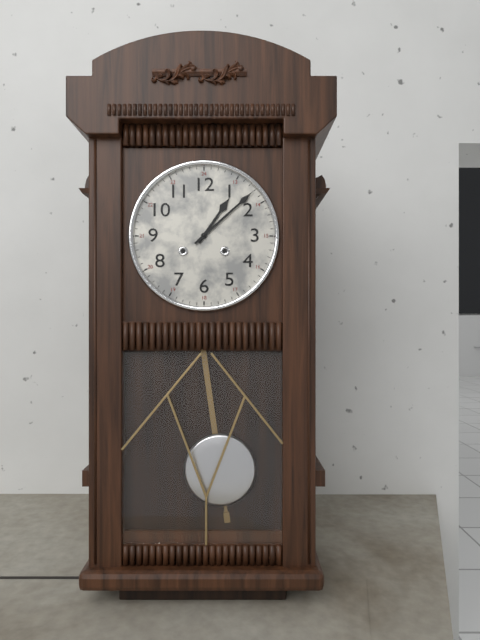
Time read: 1,08
